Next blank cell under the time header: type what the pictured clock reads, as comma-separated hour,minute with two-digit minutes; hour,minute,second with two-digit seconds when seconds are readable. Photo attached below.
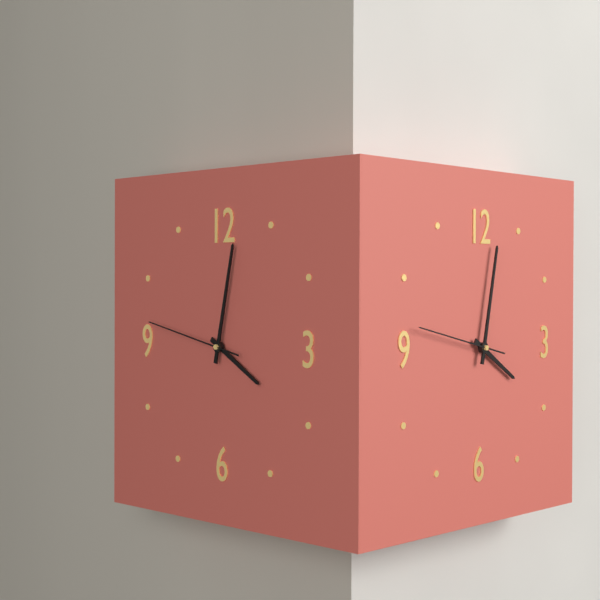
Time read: 4,02,47
